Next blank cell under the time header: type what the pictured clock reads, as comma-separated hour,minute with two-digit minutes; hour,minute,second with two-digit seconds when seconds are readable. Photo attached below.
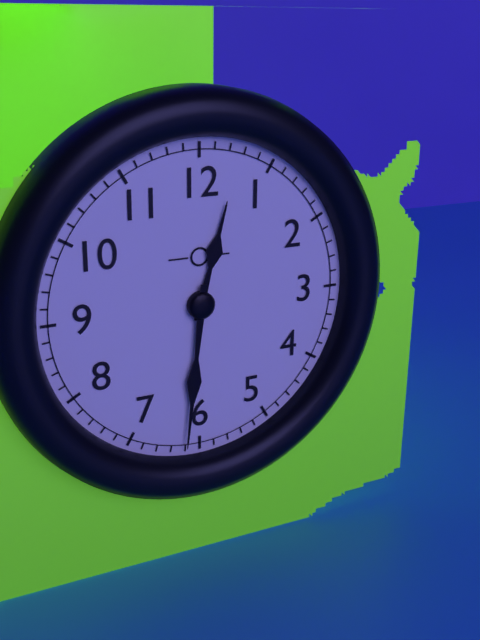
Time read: 12,31
